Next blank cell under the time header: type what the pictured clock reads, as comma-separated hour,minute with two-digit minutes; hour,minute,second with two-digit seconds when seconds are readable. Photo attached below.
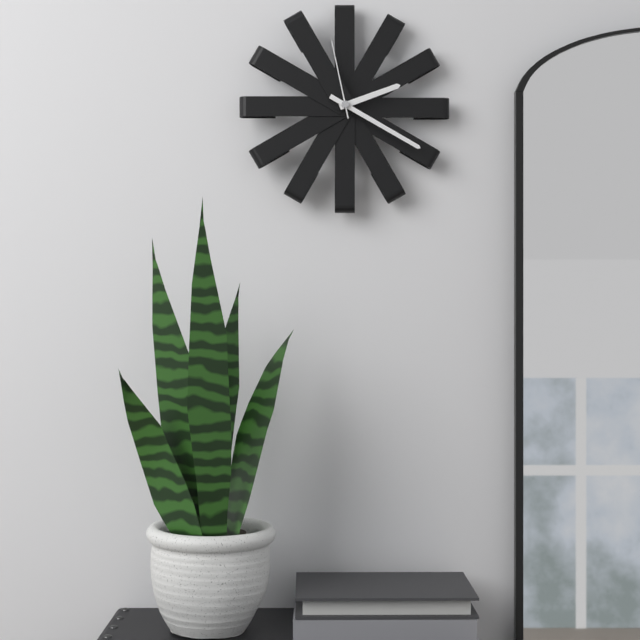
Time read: 2,20,58
